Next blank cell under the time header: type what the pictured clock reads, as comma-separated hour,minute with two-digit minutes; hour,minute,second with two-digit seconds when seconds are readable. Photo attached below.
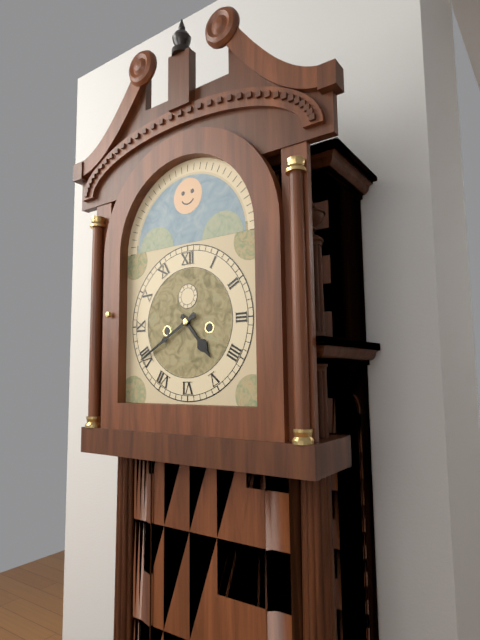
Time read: 4,40
